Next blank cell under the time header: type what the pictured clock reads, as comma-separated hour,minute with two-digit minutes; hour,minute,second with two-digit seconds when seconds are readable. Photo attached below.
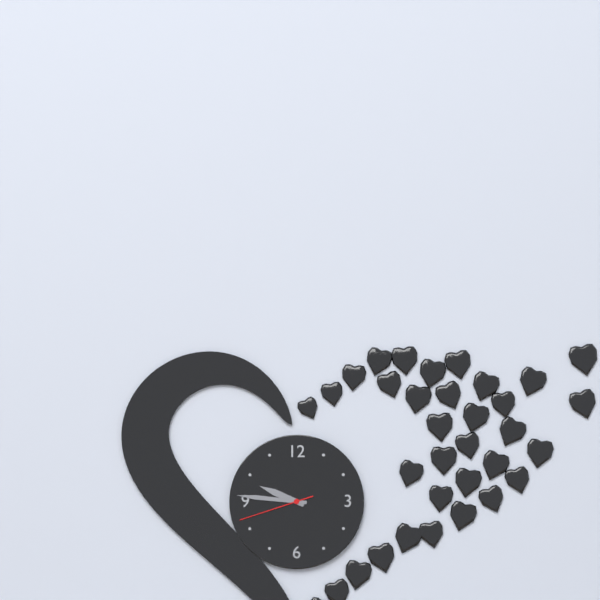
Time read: 9,46,42
